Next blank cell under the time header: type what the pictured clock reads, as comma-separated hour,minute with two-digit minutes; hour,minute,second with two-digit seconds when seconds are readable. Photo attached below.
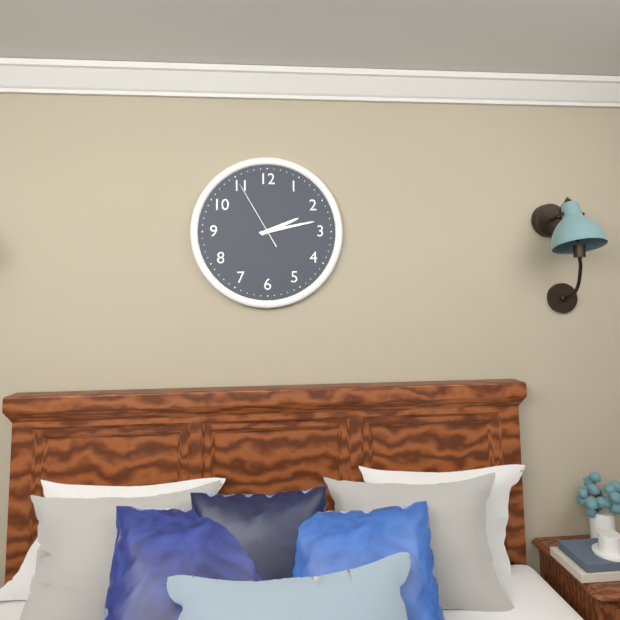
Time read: 2,13,55
